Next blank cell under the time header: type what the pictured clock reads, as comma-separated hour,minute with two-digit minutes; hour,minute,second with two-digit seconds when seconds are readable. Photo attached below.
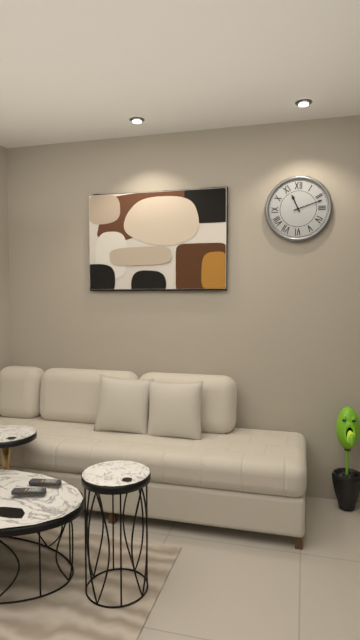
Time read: 11,12
